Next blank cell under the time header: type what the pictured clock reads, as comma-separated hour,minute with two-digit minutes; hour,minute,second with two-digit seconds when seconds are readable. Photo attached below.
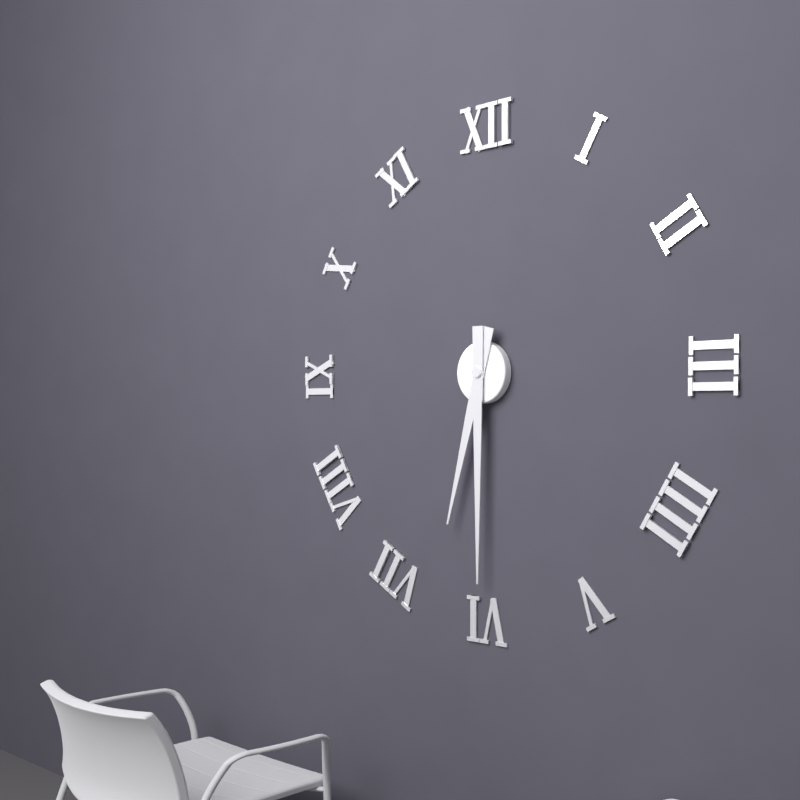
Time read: 6,30
